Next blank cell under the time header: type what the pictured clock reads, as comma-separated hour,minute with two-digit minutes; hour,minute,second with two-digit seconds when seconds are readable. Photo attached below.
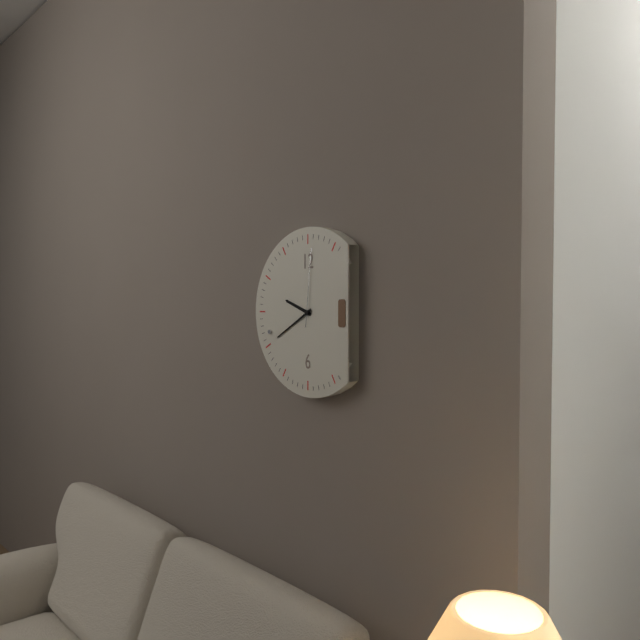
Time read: 9,40,01
